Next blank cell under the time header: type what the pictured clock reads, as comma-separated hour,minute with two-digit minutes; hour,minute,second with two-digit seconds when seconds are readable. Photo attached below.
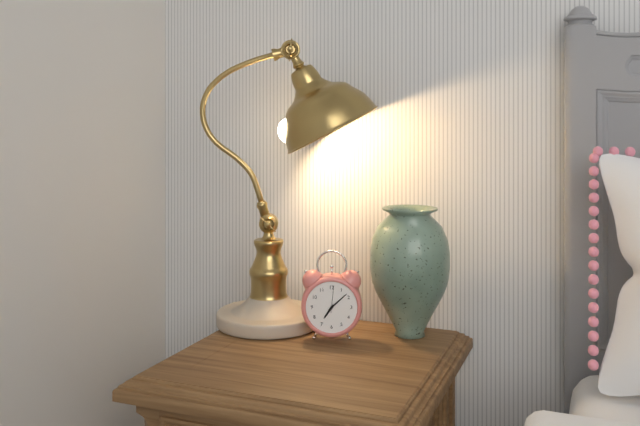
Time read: 7,08
